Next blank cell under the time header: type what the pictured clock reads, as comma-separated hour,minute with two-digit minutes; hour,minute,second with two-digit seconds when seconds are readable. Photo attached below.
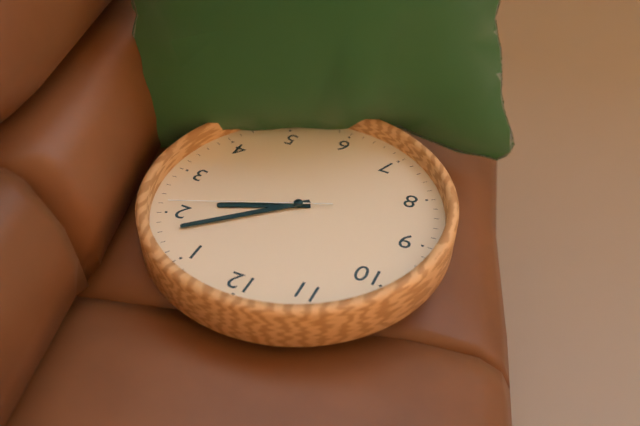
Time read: 2,08,11
